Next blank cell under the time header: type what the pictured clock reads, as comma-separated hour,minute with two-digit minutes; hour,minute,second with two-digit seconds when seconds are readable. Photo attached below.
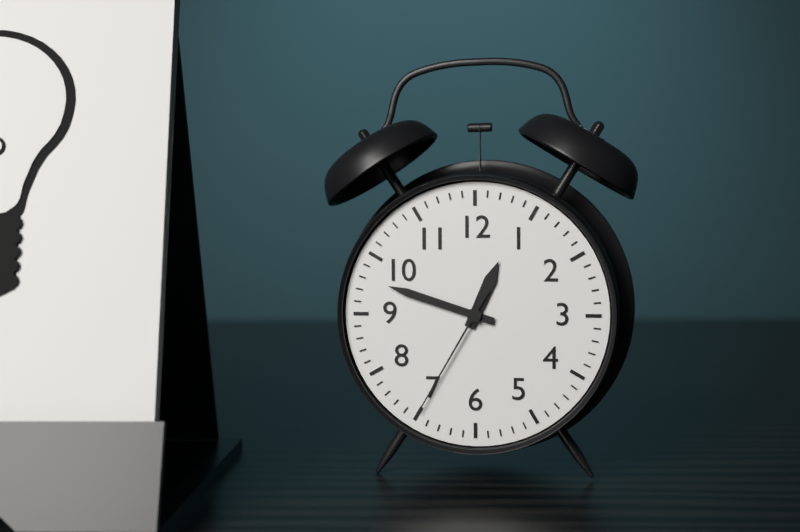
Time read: 12,48,35
